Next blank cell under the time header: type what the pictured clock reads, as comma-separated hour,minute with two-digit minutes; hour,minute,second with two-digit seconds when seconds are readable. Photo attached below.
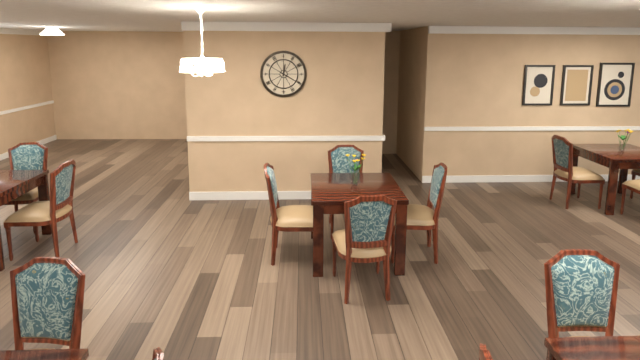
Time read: 12,20
